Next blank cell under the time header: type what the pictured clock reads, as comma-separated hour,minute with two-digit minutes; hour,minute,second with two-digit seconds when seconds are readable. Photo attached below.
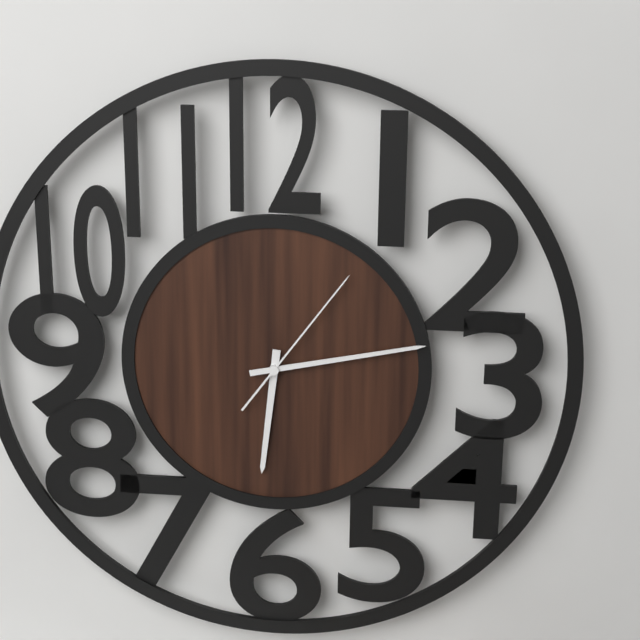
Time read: 6,13,06
